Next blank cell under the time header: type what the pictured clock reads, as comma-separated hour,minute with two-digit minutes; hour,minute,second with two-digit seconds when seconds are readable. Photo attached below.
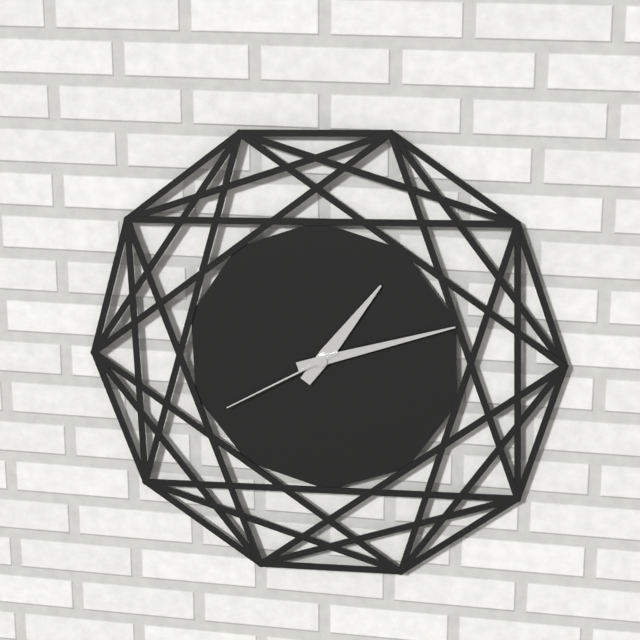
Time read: 1,12,40
